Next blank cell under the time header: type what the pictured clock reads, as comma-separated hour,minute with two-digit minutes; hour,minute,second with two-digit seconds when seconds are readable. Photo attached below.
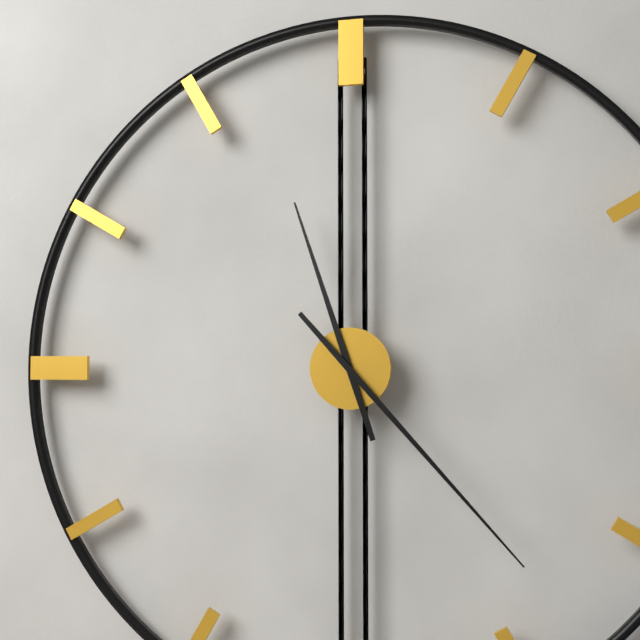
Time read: 11,23
